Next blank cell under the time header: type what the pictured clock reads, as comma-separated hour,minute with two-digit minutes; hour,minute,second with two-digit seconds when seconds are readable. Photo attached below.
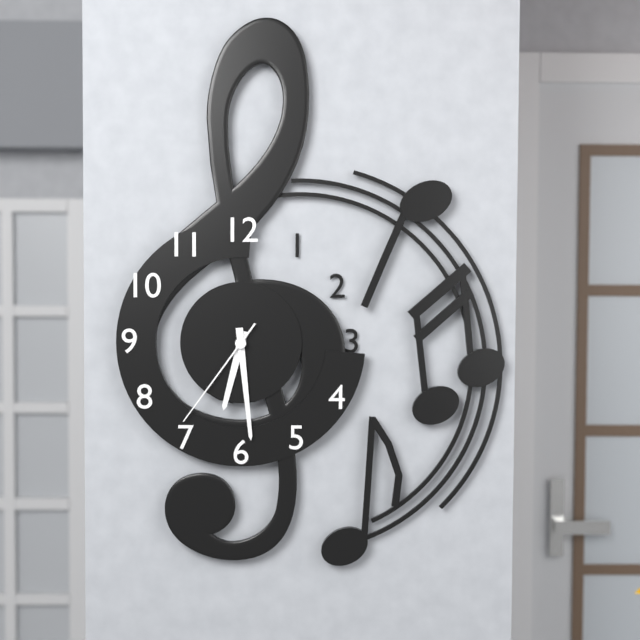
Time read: 6,29,36
